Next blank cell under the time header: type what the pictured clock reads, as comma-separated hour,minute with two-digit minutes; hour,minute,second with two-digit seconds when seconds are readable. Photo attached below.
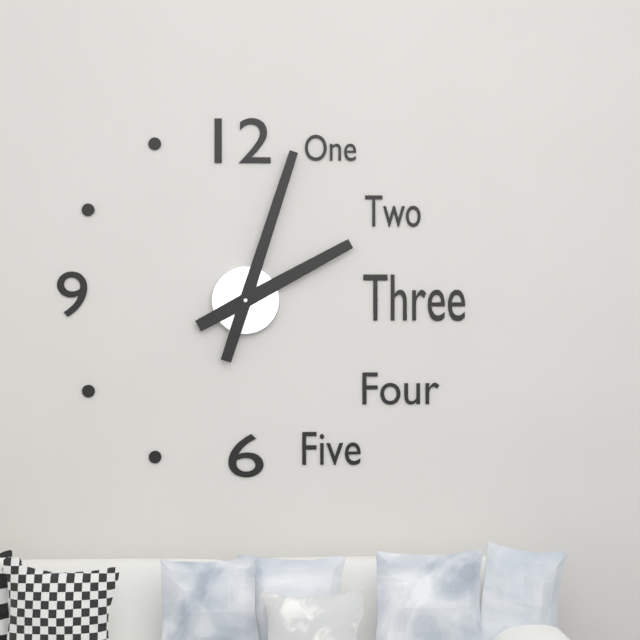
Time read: 2,03
